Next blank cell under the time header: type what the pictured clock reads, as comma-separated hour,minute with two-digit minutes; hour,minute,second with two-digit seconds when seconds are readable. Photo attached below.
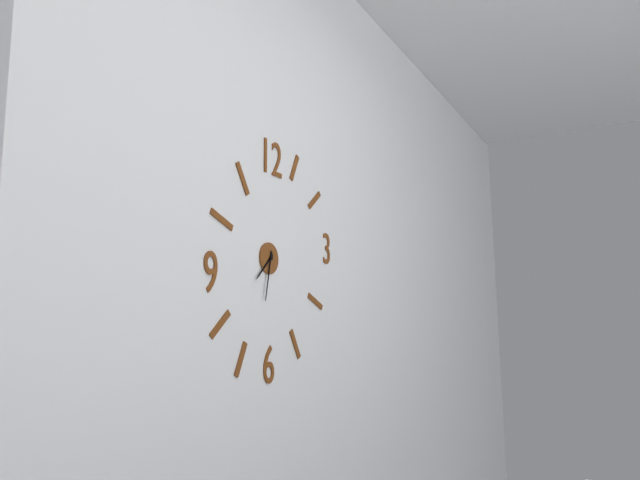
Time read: 7,32
